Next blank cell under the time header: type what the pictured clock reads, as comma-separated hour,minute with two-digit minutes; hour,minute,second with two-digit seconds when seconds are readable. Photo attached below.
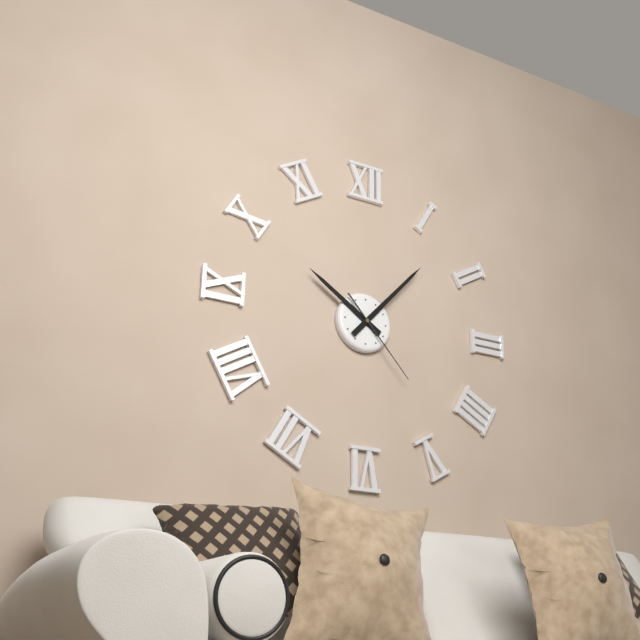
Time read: 10,07,23
